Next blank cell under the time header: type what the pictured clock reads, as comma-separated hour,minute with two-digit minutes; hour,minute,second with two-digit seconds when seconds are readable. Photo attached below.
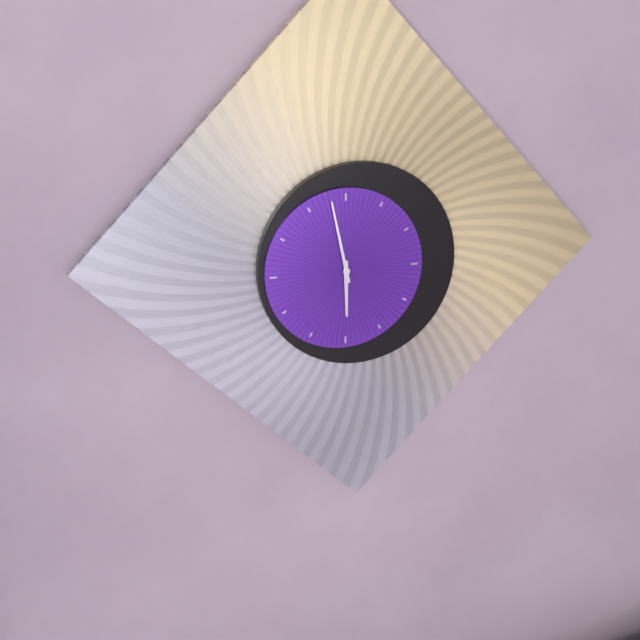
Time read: 5,58
